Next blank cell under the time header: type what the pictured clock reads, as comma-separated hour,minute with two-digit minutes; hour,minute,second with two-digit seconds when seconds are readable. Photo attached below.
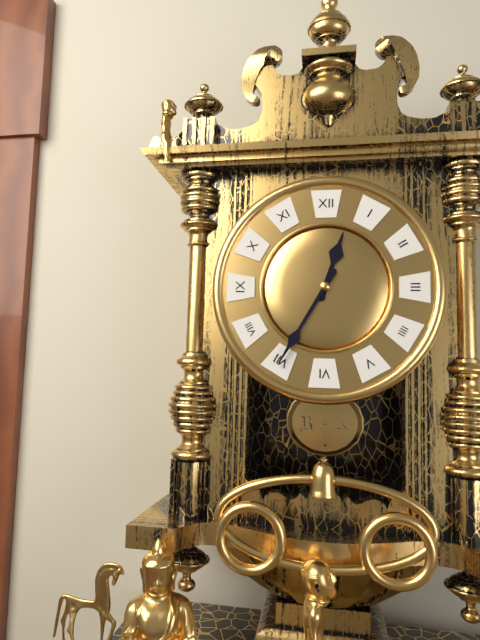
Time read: 12,35
